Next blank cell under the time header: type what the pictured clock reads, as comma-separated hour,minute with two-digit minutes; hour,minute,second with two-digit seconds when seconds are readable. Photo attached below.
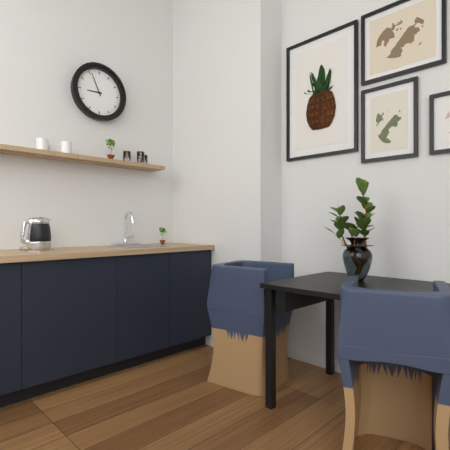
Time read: 8,56
